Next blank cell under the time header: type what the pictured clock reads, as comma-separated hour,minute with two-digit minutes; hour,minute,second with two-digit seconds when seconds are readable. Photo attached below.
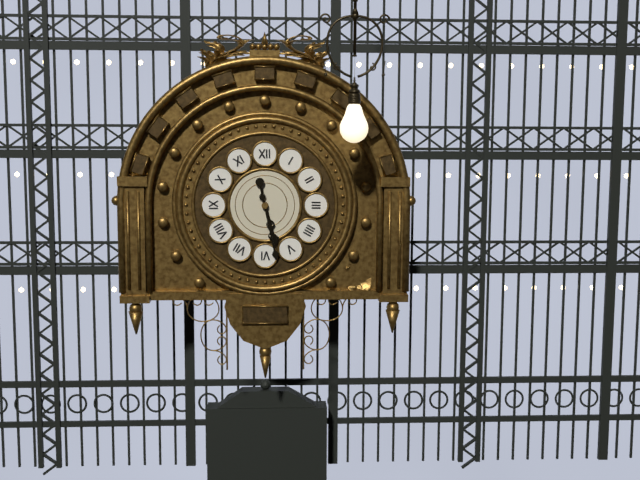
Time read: 5,28
